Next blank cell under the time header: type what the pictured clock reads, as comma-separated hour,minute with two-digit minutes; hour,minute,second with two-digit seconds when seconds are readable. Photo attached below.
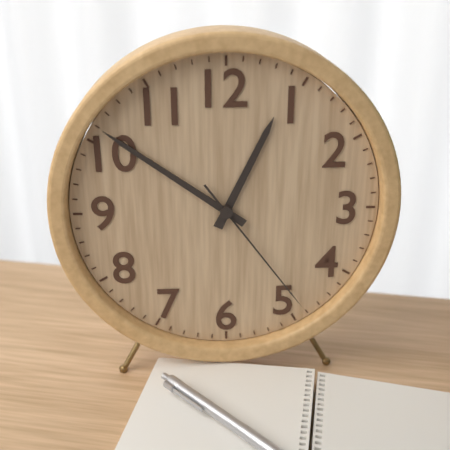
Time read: 12,51,24
